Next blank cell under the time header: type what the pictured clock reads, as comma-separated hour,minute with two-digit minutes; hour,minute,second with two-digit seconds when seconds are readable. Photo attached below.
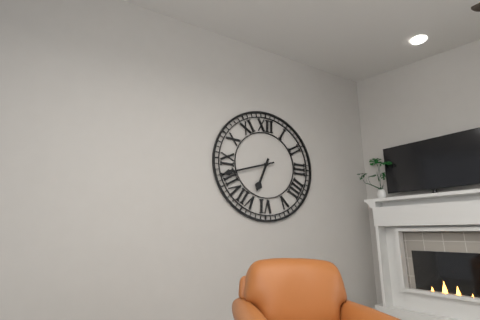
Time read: 6,42
